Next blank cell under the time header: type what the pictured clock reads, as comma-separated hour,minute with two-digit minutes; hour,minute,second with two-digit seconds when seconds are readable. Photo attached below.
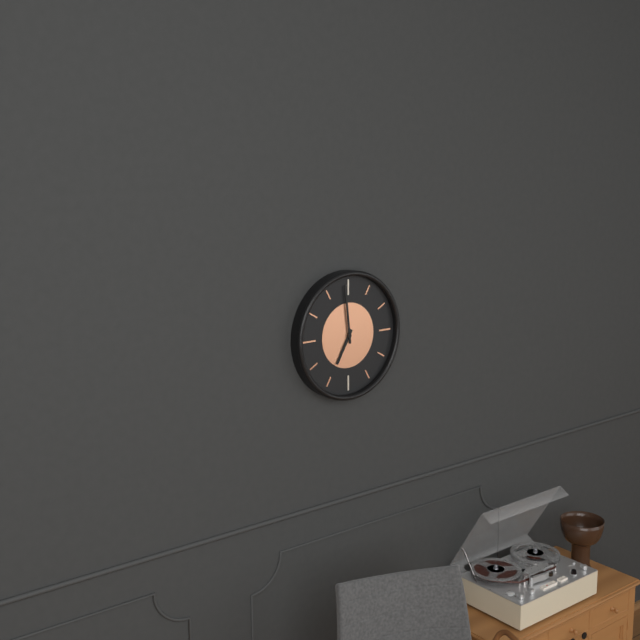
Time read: 6,59
